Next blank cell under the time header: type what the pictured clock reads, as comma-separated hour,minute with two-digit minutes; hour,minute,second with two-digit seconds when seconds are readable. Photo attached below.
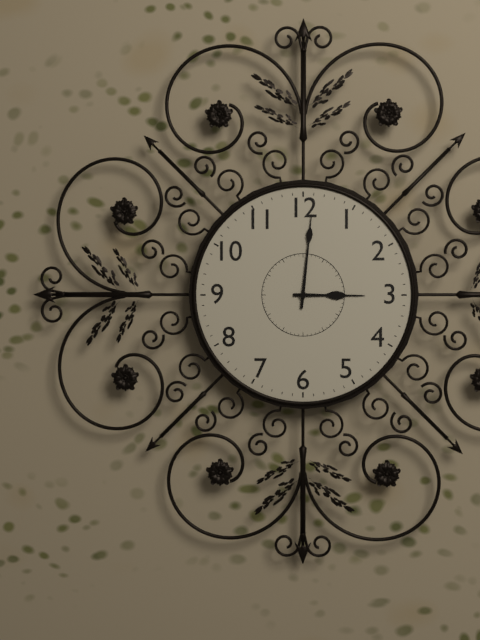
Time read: 3,01
